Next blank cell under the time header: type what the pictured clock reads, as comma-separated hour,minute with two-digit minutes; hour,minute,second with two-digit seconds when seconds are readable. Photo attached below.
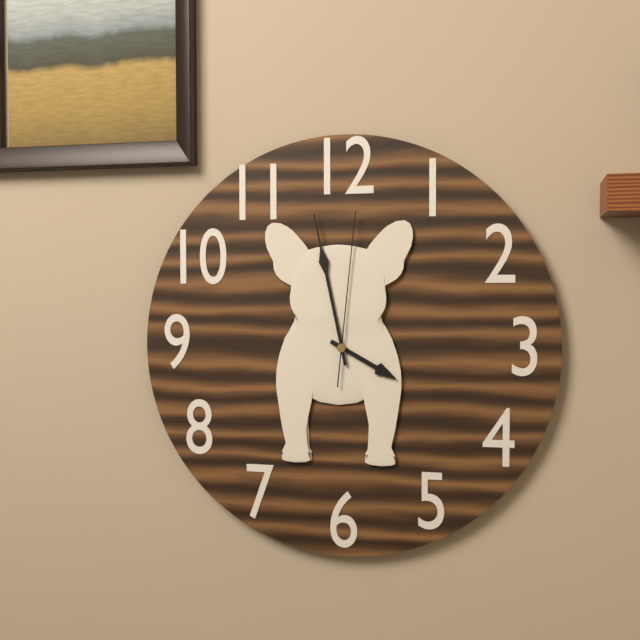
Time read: 3,58,01
